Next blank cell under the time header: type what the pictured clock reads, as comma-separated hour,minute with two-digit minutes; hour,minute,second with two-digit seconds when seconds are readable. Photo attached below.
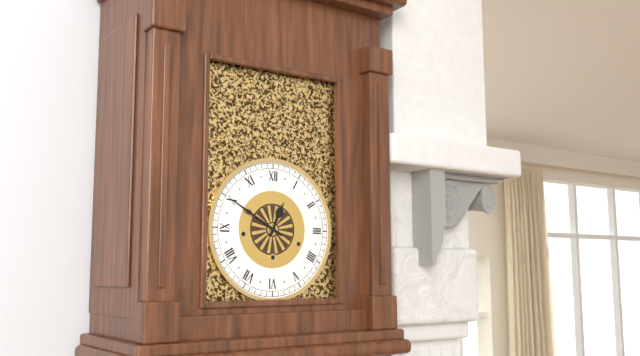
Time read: 12,50
